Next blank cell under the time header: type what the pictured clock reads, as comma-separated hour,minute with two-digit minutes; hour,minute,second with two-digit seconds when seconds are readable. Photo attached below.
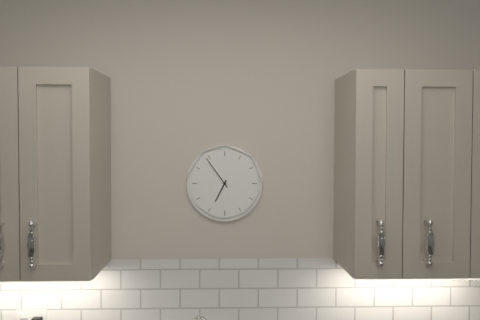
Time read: 6,54
